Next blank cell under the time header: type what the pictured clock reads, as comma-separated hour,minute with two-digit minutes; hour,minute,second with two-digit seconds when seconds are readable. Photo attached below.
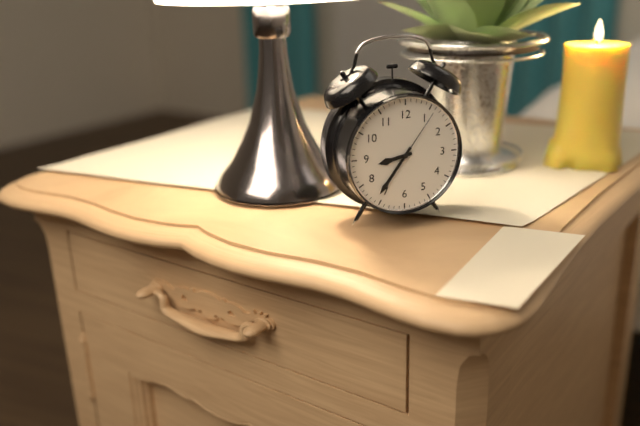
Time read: 8,36,06
